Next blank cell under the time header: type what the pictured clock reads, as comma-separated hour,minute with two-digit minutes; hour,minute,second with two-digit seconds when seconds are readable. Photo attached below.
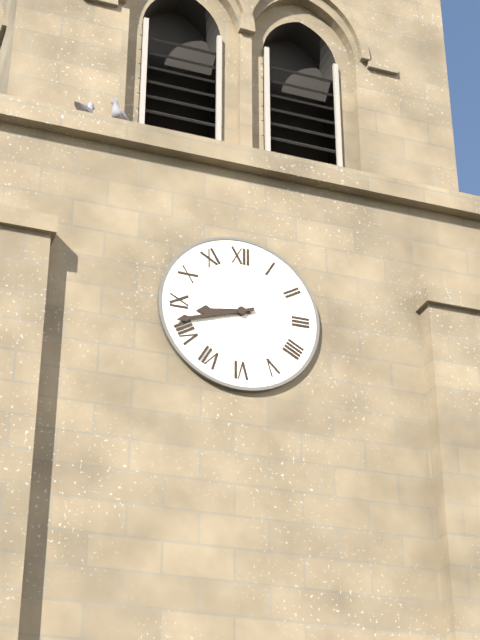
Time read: 8,42
